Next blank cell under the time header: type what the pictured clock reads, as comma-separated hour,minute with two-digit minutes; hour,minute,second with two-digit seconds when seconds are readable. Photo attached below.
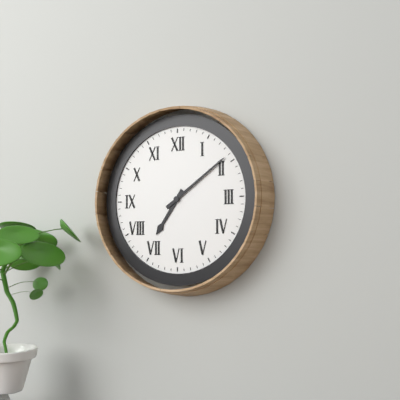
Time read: 7,09
